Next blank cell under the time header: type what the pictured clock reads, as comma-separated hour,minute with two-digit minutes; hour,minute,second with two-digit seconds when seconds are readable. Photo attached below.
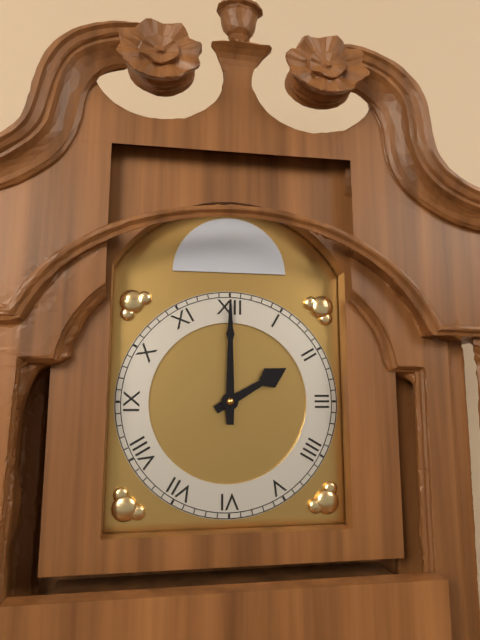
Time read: 2,00
